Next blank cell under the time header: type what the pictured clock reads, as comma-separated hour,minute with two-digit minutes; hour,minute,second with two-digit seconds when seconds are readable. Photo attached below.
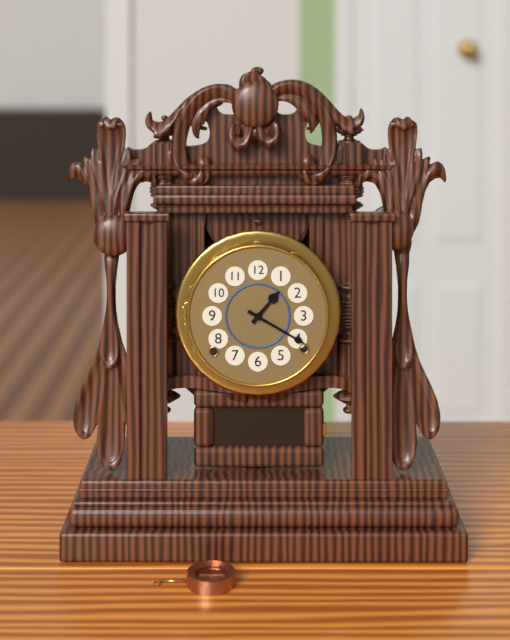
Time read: 1,20
